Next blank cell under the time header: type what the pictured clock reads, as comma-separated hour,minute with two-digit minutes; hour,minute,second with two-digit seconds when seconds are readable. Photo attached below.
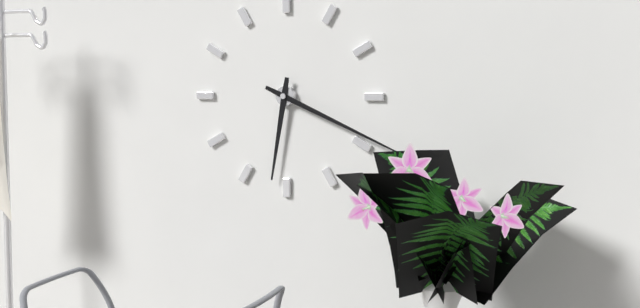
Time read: 6,19
